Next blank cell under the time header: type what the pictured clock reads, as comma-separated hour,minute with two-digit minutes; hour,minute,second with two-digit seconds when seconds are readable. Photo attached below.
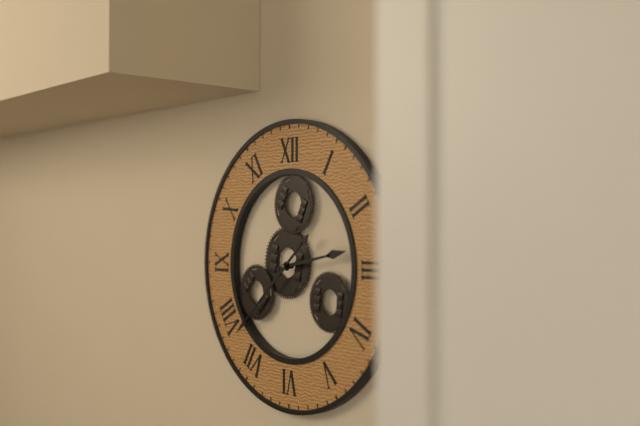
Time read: 2,38
